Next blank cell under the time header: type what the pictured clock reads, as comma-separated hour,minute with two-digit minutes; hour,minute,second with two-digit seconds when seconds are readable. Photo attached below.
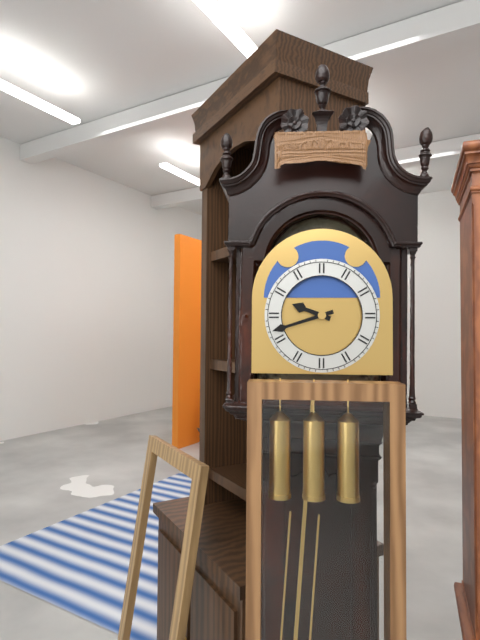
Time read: 9,42
